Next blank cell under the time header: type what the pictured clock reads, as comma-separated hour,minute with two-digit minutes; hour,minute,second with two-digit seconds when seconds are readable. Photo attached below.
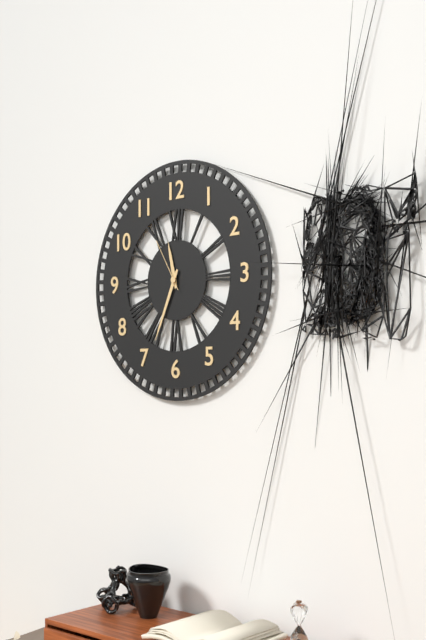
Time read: 11,34,55
